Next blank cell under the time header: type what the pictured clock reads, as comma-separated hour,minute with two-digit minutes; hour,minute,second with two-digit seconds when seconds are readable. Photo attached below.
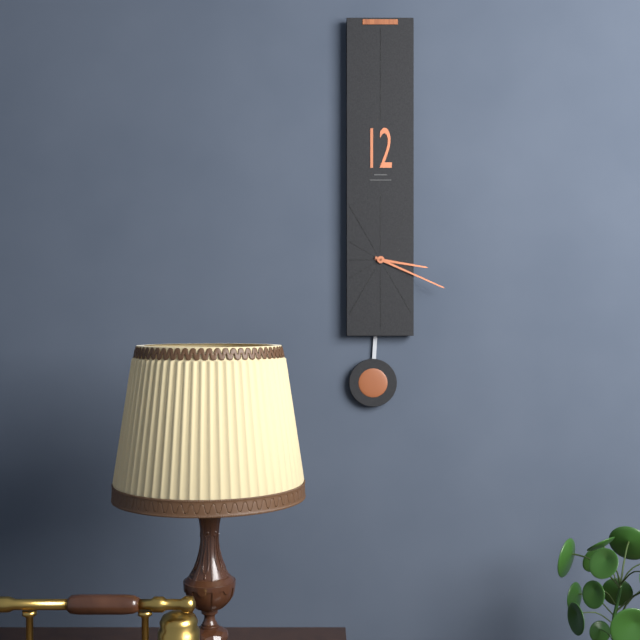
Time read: 3,19
